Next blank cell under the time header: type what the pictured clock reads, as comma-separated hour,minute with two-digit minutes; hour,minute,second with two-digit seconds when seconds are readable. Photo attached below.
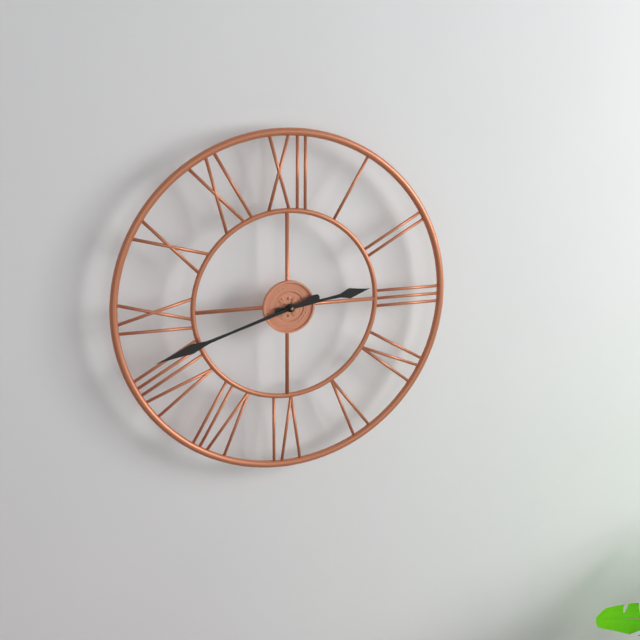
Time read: 2,42
